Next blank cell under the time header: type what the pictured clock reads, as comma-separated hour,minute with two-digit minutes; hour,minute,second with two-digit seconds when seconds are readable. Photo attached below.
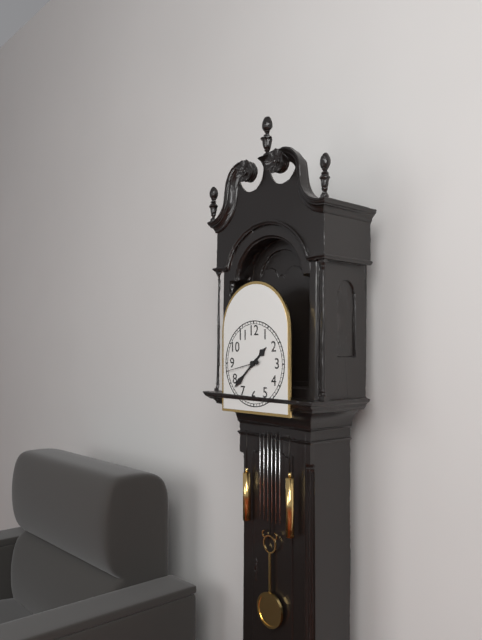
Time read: 1,38
